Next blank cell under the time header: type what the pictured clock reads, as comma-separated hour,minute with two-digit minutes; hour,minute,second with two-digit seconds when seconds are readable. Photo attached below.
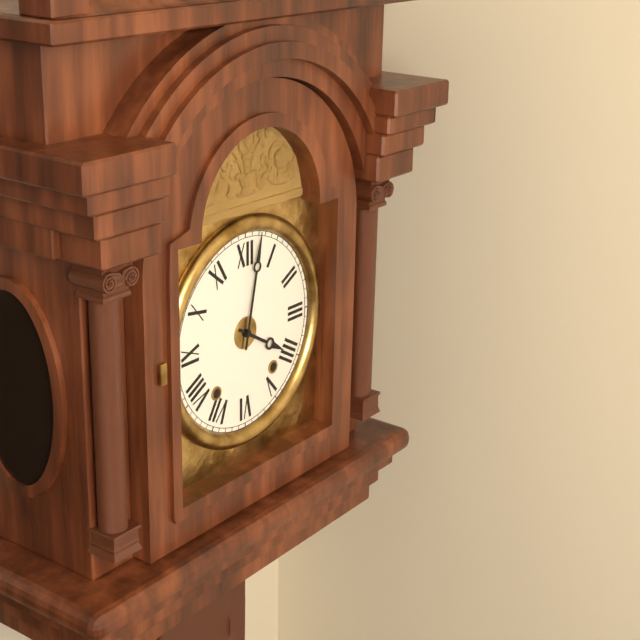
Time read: 4,02
